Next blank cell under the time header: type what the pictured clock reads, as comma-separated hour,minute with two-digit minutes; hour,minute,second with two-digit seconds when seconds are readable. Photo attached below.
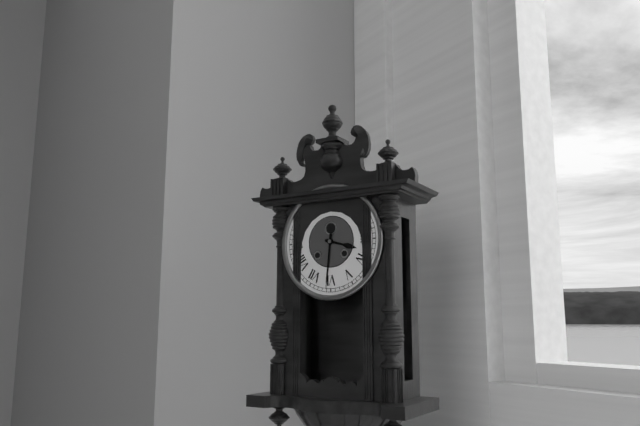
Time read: 3,31
